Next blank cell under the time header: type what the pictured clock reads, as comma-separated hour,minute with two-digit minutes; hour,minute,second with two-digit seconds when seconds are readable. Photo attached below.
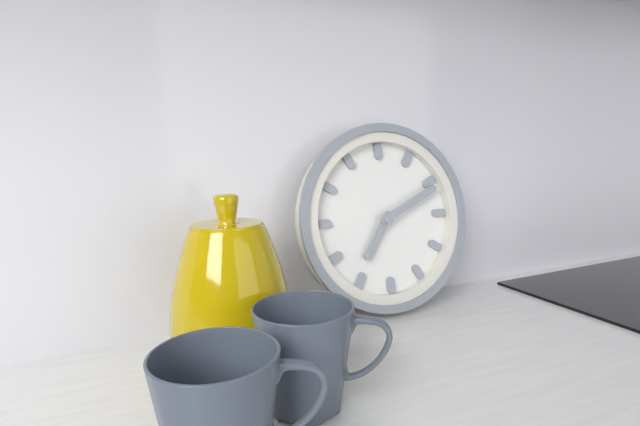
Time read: 7,11
